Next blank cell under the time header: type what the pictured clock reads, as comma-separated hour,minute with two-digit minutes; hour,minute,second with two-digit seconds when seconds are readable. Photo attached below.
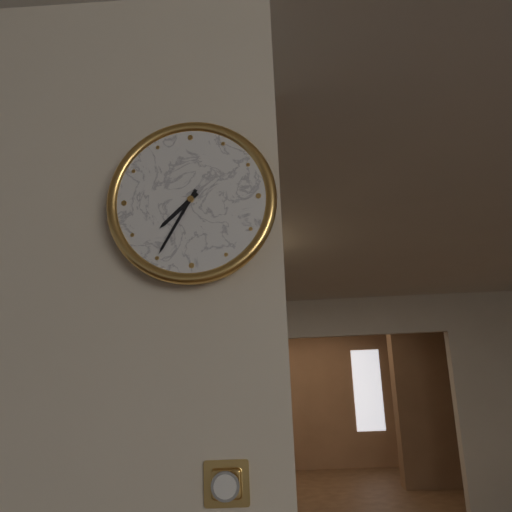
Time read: 7,35
